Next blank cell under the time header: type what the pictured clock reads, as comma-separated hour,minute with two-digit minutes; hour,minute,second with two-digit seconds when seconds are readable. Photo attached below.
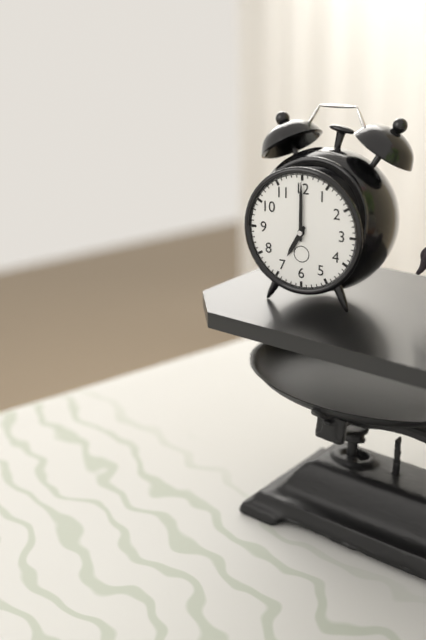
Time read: 7,00
